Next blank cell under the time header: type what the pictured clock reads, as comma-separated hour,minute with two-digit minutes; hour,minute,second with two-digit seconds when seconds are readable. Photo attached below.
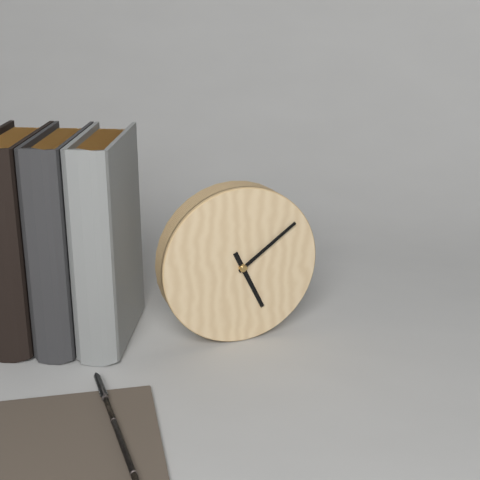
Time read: 5,09
